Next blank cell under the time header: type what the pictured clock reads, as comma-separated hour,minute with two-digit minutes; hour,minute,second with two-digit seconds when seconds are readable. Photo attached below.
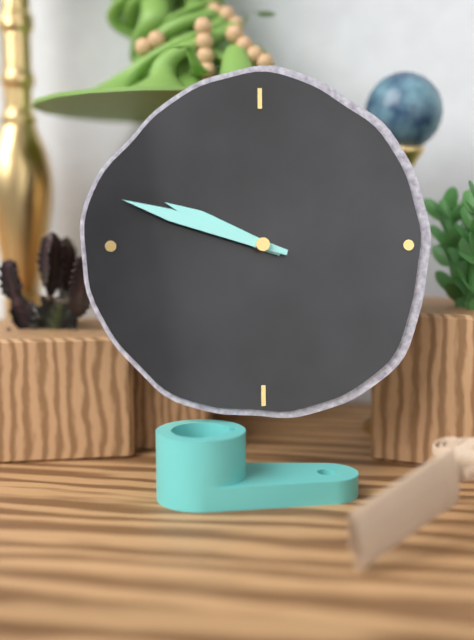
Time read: 9,48
